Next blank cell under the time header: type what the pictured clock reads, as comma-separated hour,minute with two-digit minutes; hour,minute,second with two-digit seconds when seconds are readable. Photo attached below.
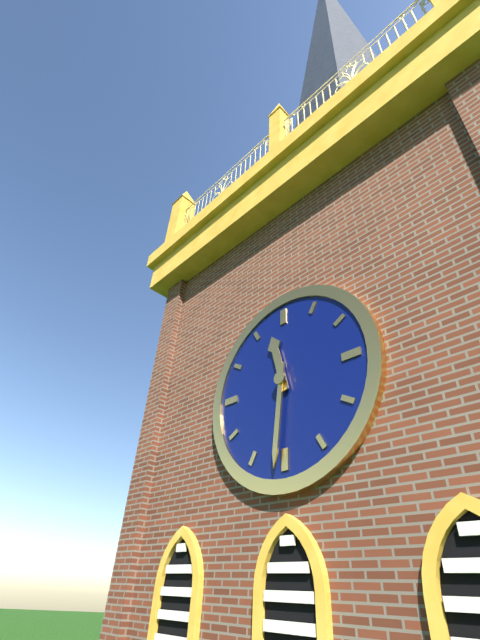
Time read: 11,31
